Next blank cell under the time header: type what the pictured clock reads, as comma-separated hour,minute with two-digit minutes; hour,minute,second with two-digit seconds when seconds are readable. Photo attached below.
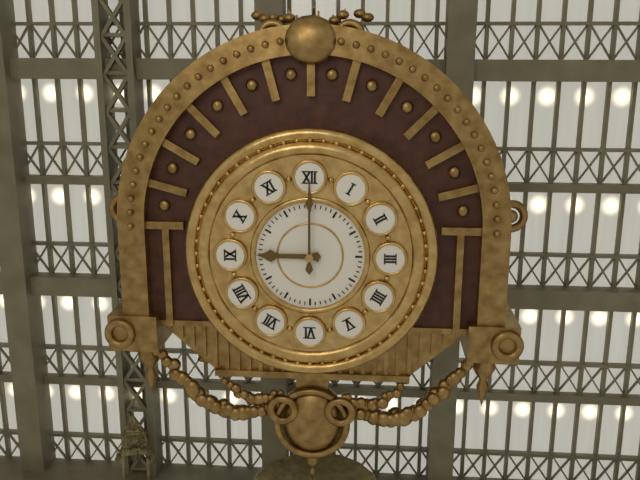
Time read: 9,00
